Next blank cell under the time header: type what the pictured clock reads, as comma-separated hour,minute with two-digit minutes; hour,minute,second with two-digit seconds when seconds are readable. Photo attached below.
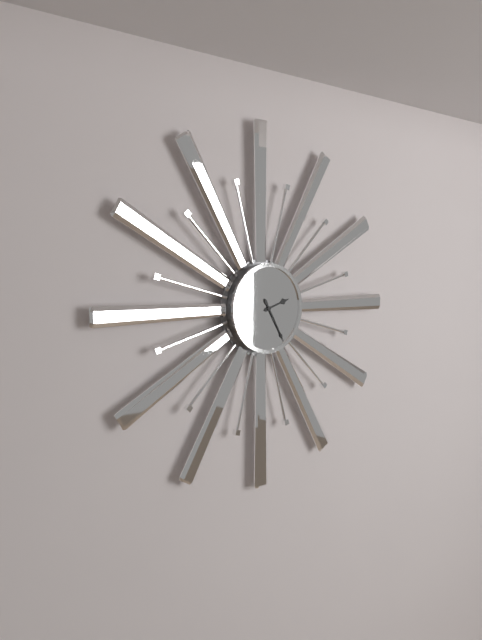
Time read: 2,25
